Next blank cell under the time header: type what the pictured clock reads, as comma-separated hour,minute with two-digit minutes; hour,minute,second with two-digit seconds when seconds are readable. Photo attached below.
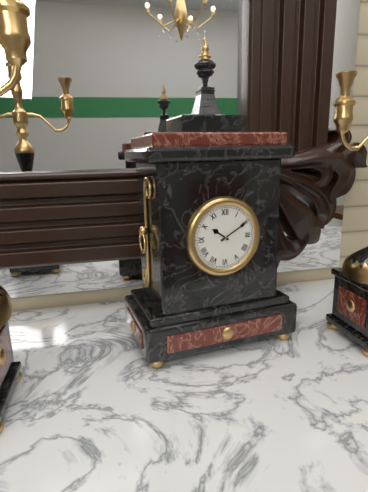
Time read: 10,10
